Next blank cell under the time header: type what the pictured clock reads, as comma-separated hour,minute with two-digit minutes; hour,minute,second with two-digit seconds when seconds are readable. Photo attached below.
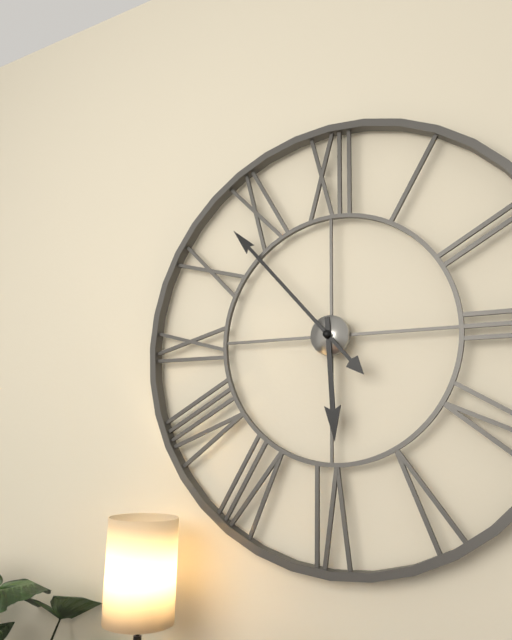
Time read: 5,53
